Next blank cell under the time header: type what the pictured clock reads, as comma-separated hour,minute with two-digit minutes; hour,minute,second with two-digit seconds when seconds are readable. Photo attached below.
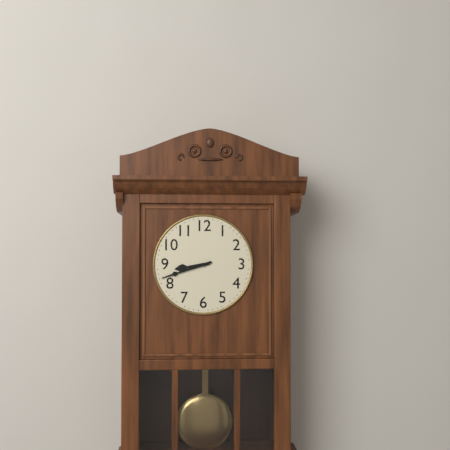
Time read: 8,42
